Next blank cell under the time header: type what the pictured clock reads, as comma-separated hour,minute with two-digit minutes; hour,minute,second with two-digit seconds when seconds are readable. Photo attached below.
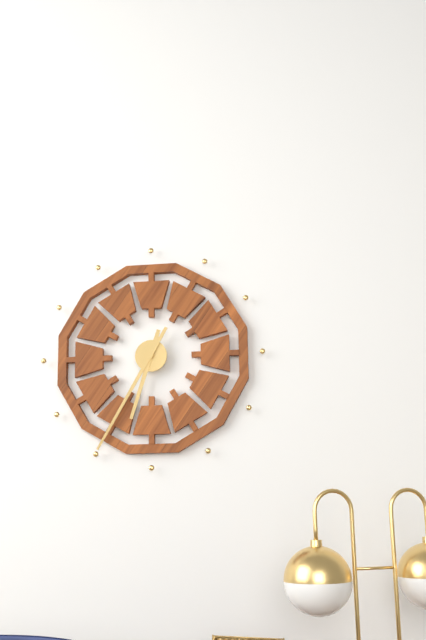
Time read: 6,35
